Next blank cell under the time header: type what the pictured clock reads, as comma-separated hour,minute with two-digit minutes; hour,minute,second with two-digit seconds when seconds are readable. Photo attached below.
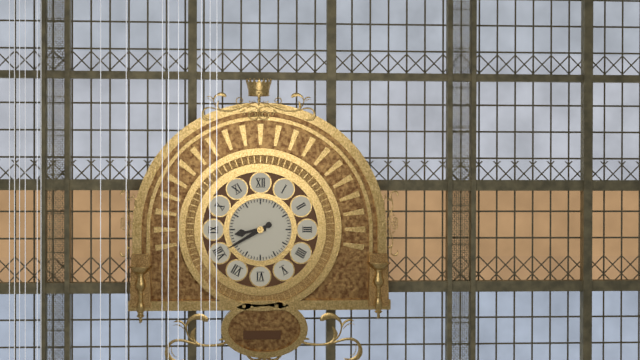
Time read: 8,40
